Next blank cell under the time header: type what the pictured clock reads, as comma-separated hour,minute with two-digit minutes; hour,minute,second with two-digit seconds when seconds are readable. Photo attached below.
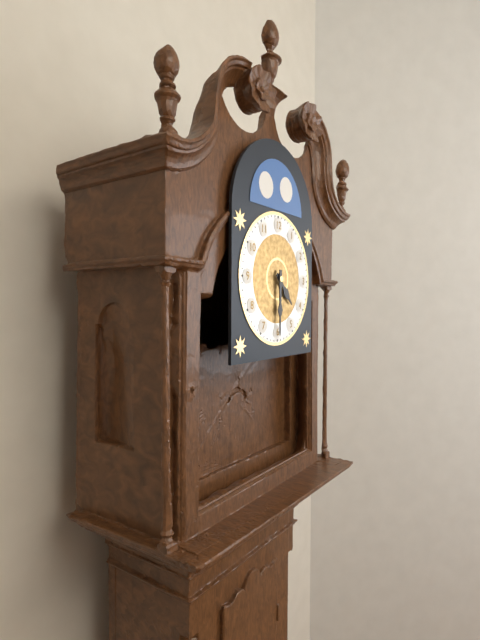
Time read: 4,30
